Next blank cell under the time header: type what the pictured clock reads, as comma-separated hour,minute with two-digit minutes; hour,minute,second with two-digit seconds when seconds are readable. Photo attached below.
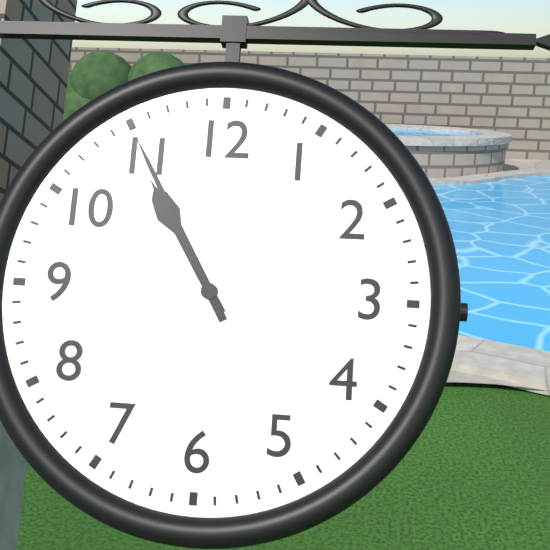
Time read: 10,55
